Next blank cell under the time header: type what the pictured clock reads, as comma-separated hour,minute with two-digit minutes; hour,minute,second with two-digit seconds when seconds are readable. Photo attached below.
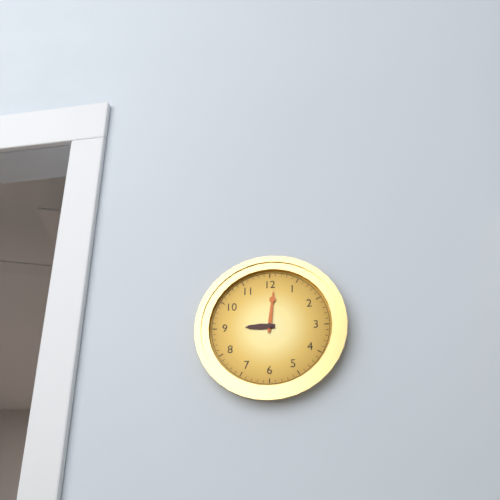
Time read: 9,01
